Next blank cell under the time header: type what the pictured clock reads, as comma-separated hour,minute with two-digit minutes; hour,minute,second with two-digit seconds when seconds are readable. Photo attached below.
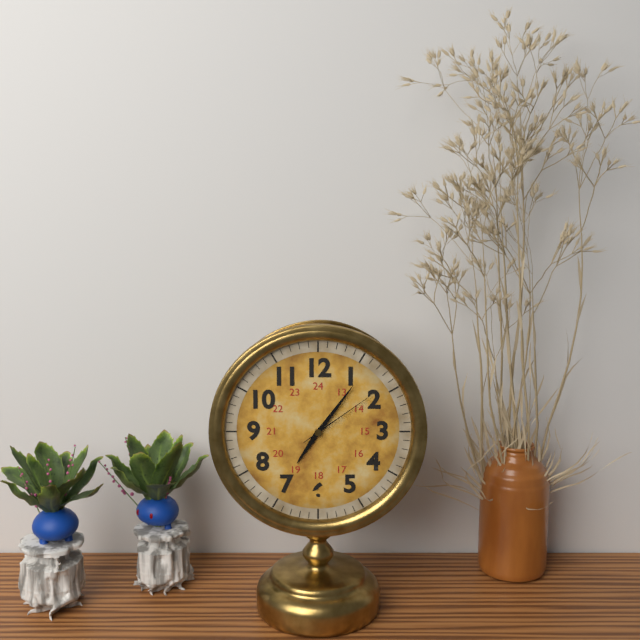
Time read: 7,06,09
